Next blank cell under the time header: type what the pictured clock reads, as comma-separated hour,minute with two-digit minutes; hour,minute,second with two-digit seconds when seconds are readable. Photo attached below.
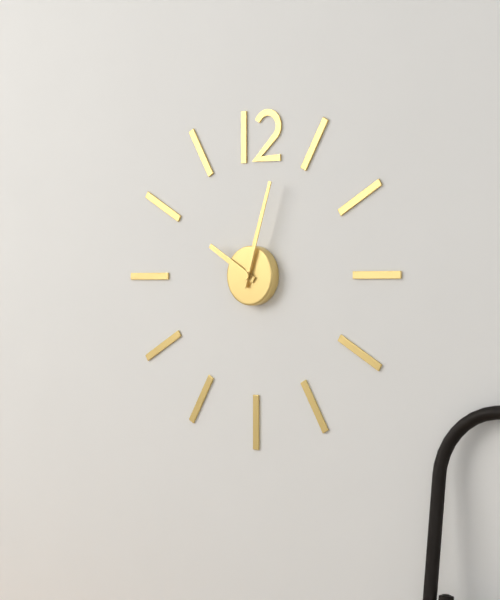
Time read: 10,03
